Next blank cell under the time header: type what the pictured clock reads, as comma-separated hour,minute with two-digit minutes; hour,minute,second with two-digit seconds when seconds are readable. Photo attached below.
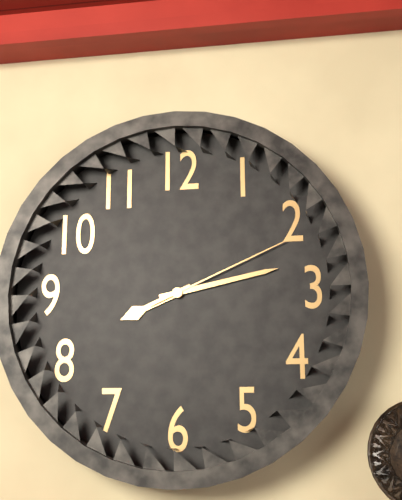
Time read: 8,13,11
